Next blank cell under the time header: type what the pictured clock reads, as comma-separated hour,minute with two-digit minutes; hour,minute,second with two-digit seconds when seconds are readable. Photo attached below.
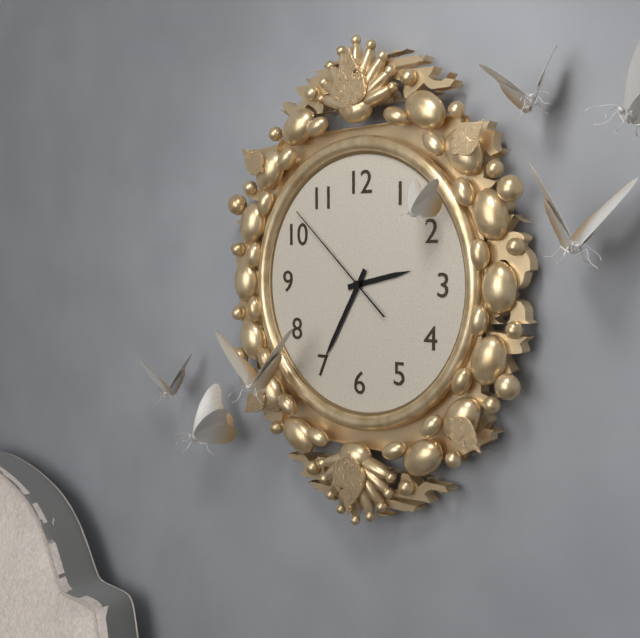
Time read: 2,35,52
